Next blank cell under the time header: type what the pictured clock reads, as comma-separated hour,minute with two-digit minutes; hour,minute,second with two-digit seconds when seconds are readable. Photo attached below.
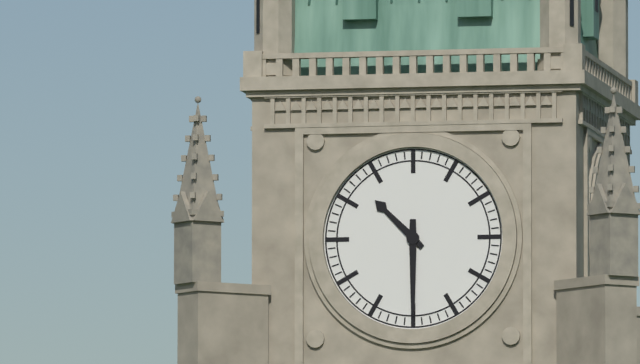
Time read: 10,30
